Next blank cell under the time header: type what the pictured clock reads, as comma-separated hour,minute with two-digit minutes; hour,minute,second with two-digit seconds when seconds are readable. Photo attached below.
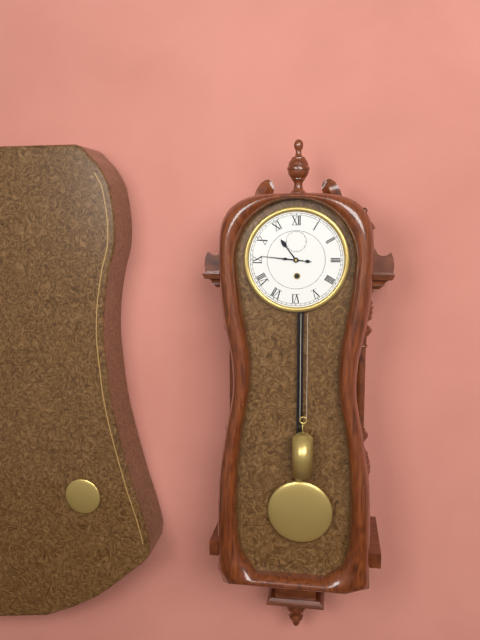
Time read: 10,46
